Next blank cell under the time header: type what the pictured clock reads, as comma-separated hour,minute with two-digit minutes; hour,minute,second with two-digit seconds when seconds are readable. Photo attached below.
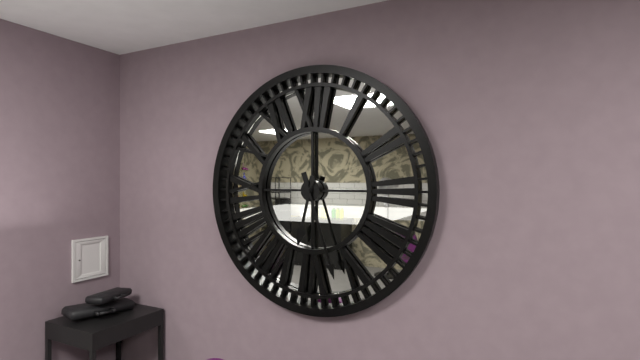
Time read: 6,27
